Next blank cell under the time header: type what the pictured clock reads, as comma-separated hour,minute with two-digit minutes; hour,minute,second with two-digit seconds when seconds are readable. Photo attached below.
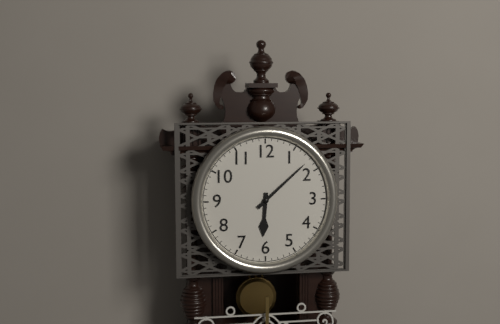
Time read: 6,08
